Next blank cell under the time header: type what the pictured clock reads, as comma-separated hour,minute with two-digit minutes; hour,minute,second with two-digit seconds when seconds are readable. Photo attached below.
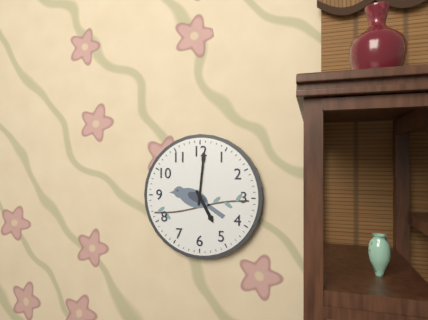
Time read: 5,01
